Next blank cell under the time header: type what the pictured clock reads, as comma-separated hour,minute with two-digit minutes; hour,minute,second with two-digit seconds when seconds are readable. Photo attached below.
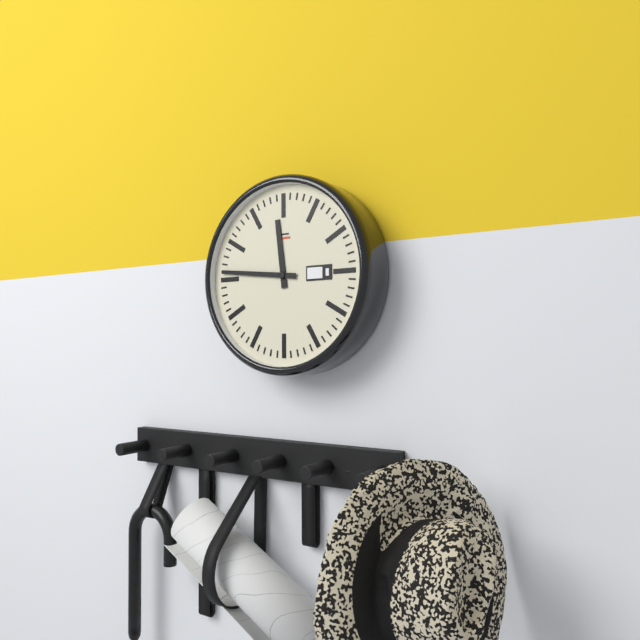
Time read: 11,46
